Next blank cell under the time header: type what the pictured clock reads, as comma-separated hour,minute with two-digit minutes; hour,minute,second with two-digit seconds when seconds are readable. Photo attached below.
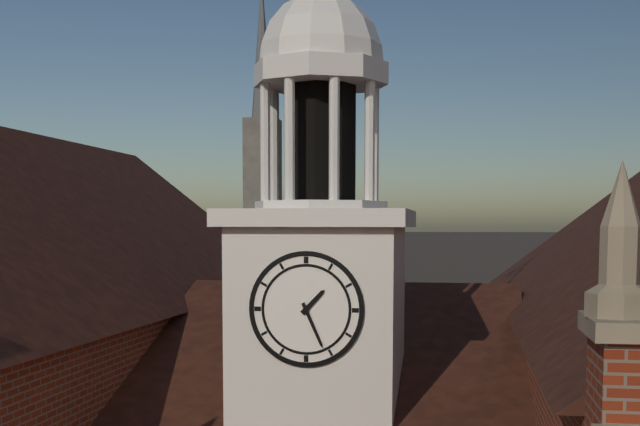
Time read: 1,26
